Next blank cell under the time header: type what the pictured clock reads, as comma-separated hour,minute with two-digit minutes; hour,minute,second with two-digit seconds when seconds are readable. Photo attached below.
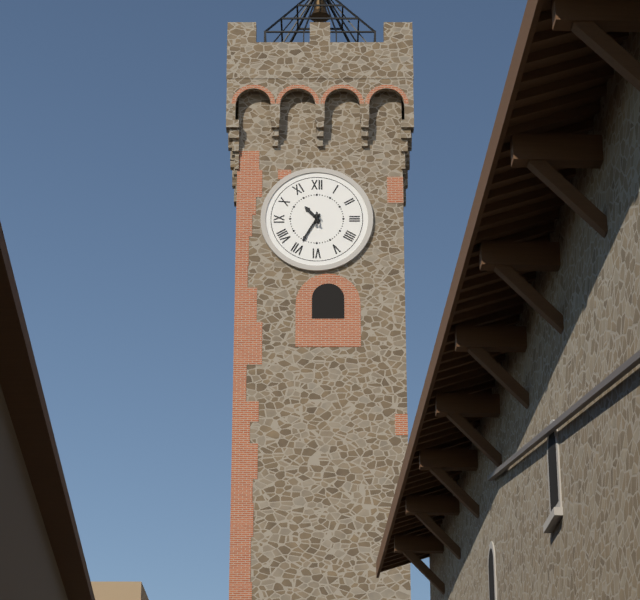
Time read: 10,35
